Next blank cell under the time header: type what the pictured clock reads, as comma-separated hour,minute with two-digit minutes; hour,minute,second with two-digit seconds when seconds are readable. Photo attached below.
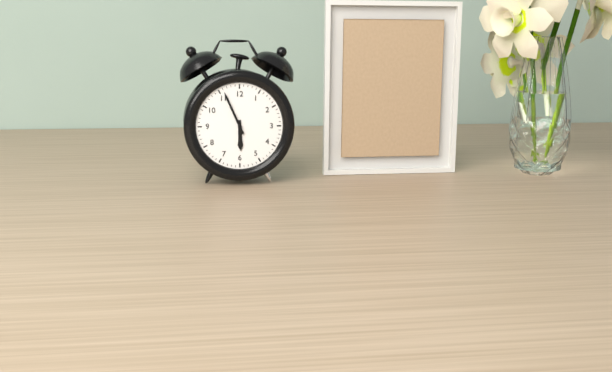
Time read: 5,56
